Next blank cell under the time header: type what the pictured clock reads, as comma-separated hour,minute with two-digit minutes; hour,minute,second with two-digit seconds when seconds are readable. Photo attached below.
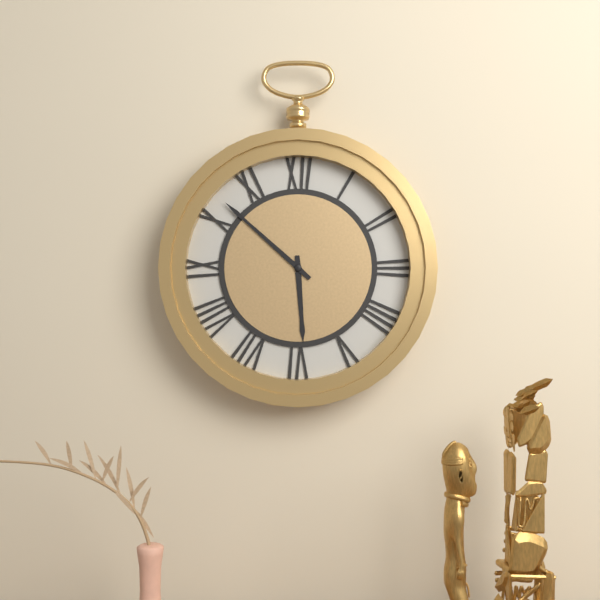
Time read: 5,52
